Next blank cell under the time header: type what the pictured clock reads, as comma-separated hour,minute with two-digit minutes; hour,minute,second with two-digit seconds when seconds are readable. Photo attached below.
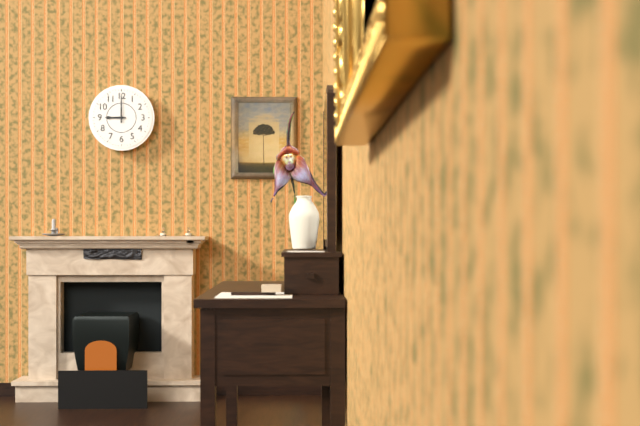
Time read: 9,00
